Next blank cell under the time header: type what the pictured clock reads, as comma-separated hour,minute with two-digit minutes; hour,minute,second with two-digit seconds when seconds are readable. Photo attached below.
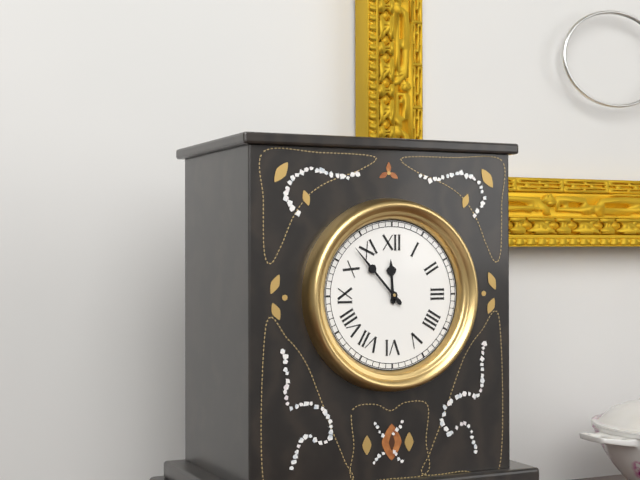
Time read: 11,53
